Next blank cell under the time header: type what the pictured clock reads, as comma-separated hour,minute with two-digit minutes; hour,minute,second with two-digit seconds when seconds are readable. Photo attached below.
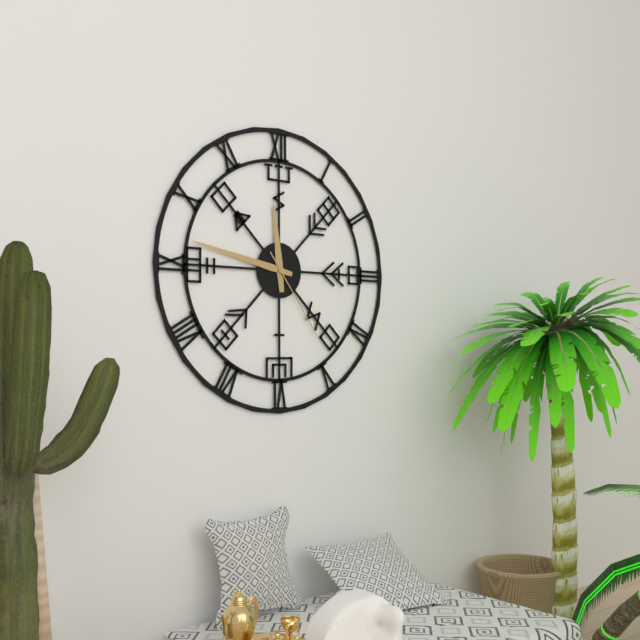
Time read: 11,47,24
